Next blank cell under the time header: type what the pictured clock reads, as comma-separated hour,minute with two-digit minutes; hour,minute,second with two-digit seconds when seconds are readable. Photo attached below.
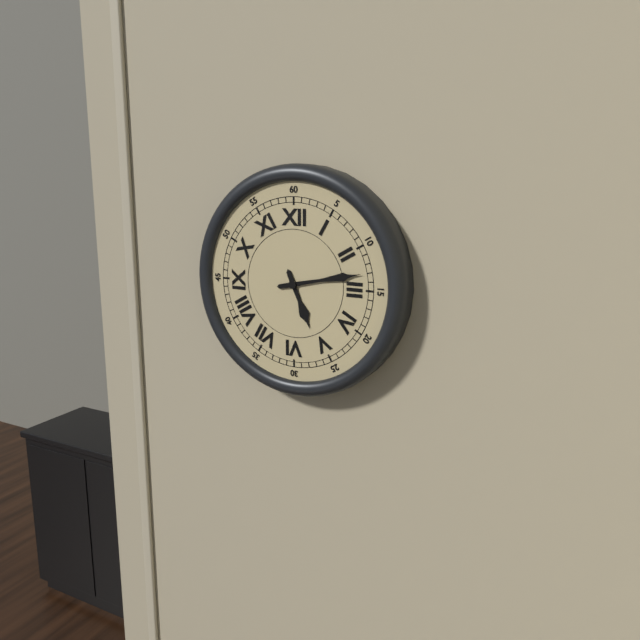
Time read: 5,13
